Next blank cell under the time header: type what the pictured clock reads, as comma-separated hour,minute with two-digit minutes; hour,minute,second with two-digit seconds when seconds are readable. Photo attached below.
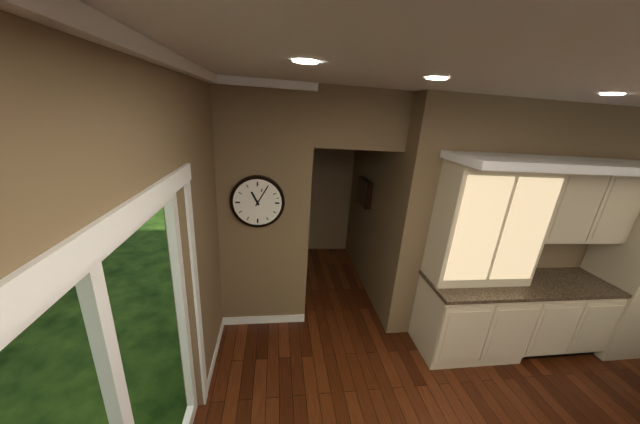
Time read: 11,05
